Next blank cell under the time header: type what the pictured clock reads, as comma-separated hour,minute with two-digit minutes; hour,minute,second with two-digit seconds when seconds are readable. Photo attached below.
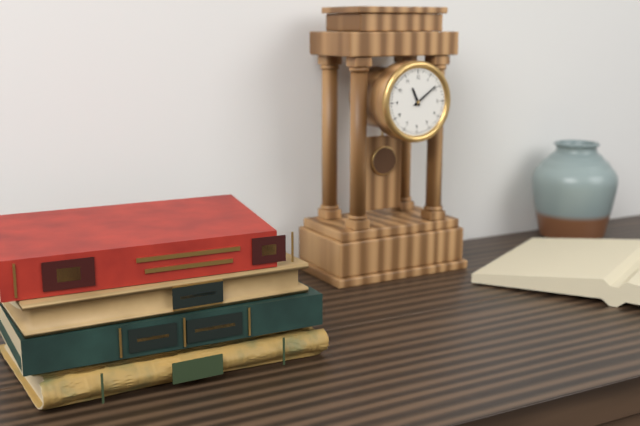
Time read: 11,09
